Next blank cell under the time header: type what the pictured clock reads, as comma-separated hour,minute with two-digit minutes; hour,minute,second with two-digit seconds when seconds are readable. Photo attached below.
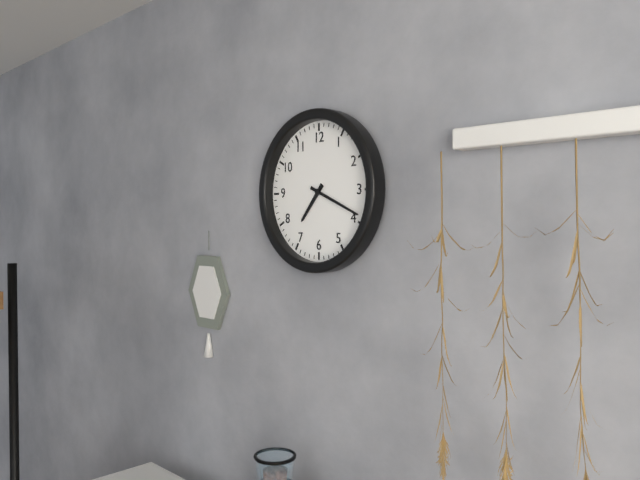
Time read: 7,19
